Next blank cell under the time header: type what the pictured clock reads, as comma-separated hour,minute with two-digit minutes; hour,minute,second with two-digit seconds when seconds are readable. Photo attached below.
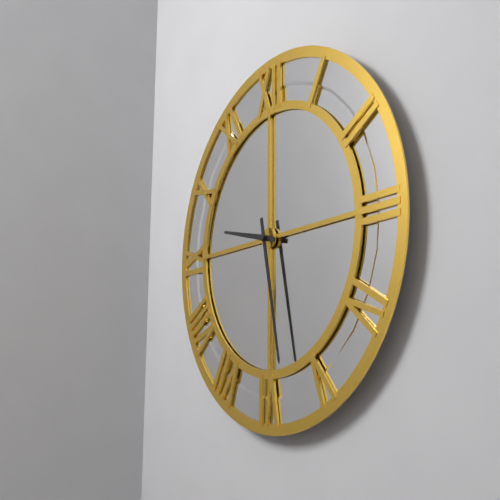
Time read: 9,28
